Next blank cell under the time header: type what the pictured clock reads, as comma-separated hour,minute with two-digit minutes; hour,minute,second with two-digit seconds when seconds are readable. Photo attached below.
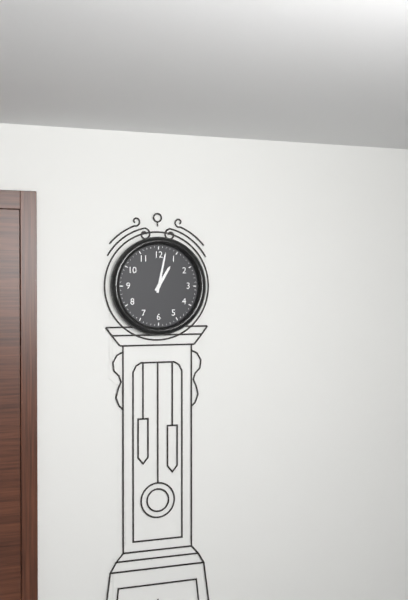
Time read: 1,02
